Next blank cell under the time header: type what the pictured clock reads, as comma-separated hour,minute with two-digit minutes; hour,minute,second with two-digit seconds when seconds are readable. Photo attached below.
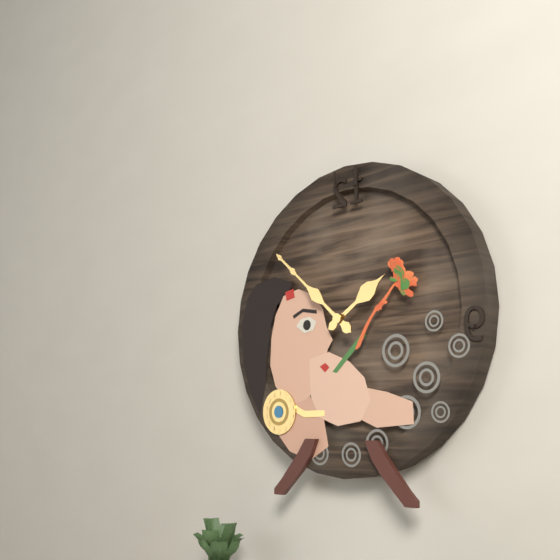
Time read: 1,52
